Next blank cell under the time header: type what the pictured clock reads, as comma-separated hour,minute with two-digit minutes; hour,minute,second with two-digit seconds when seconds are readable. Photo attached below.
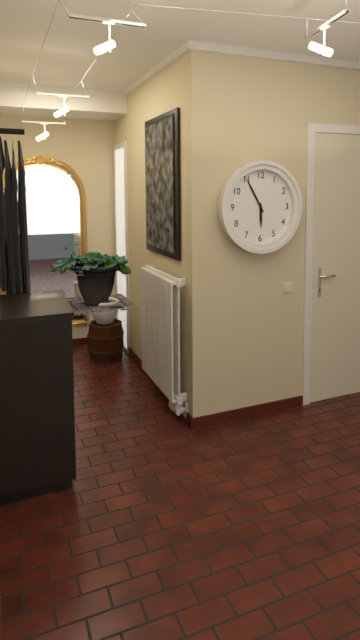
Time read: 5,55
